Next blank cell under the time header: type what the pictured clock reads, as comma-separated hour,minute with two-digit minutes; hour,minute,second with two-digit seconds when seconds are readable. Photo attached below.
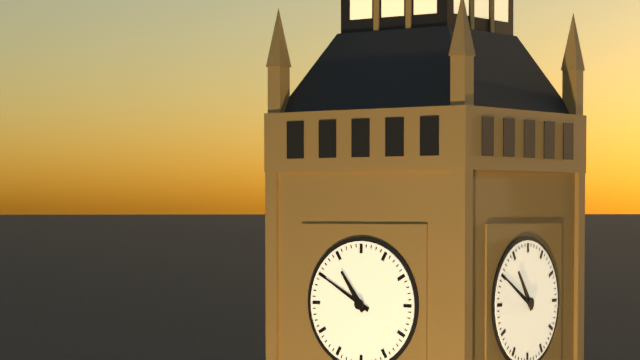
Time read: 10,50
